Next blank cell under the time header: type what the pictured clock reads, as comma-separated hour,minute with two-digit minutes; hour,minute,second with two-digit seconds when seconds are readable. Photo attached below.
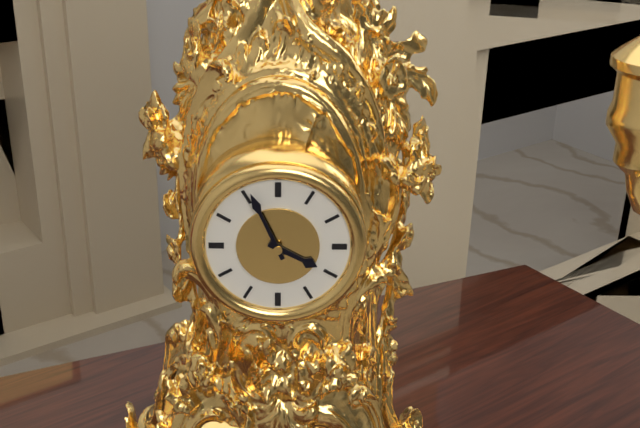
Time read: 3,56
